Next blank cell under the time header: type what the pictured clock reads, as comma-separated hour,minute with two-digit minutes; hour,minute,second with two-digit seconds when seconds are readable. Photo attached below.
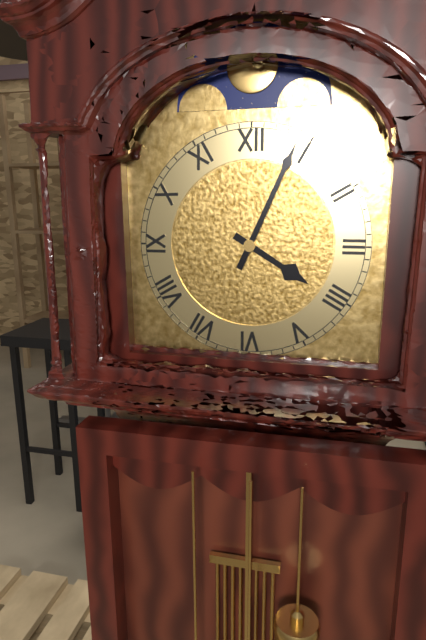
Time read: 4,04
